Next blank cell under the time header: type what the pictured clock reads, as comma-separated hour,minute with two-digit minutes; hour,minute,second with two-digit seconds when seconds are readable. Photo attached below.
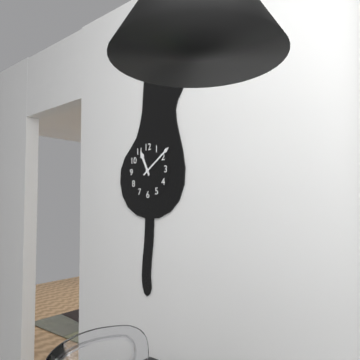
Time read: 11,09
